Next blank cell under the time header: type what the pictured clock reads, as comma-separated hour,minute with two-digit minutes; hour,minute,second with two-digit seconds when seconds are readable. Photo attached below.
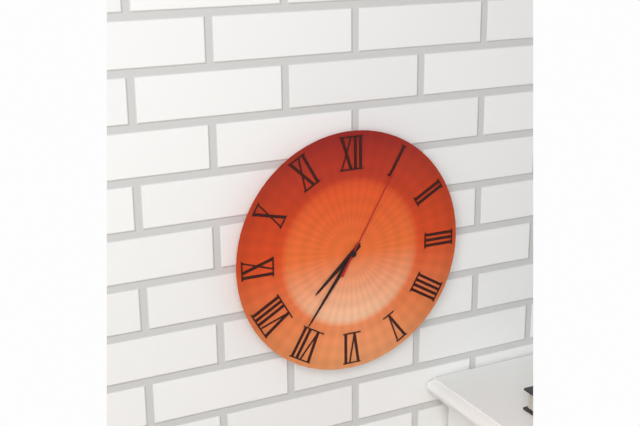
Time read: 7,36,05
